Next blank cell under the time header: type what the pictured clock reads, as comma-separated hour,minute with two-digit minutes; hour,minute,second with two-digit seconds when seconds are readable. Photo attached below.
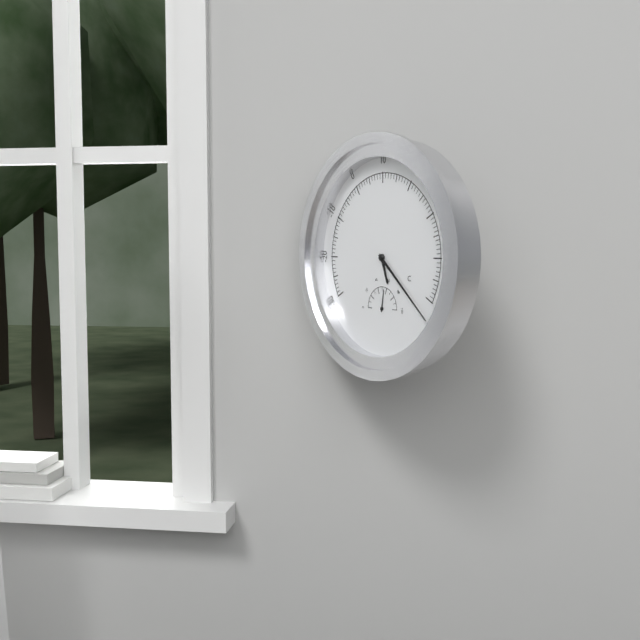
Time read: 5,22
